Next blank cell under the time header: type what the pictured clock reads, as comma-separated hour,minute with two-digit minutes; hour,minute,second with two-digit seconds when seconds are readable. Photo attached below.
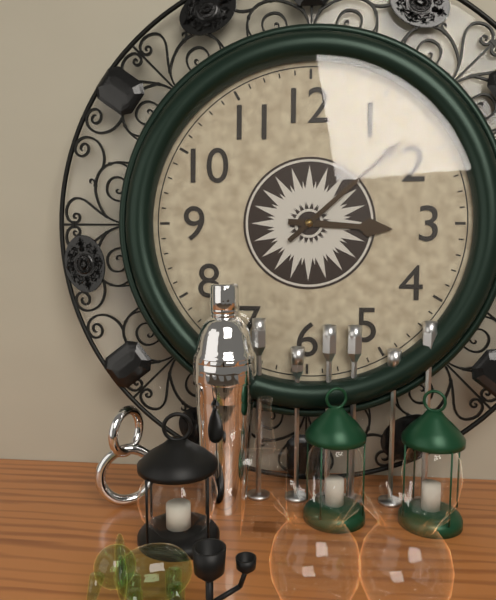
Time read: 3,08
